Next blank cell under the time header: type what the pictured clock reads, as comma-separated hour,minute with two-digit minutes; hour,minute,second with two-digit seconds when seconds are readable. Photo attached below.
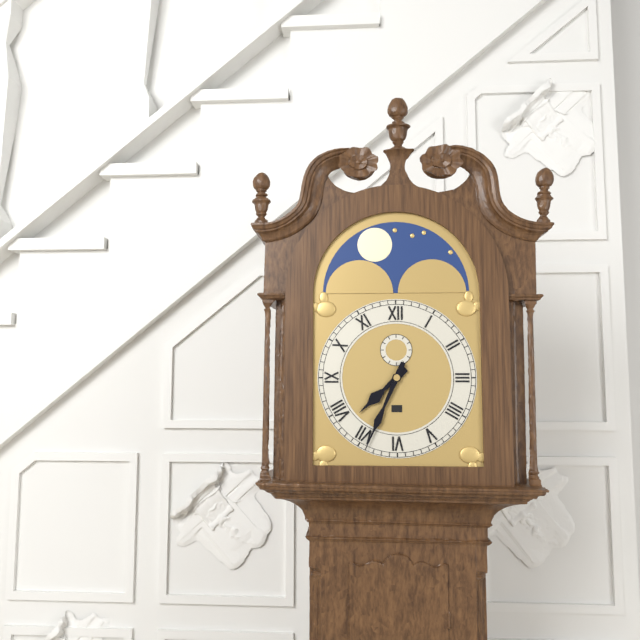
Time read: 7,34
